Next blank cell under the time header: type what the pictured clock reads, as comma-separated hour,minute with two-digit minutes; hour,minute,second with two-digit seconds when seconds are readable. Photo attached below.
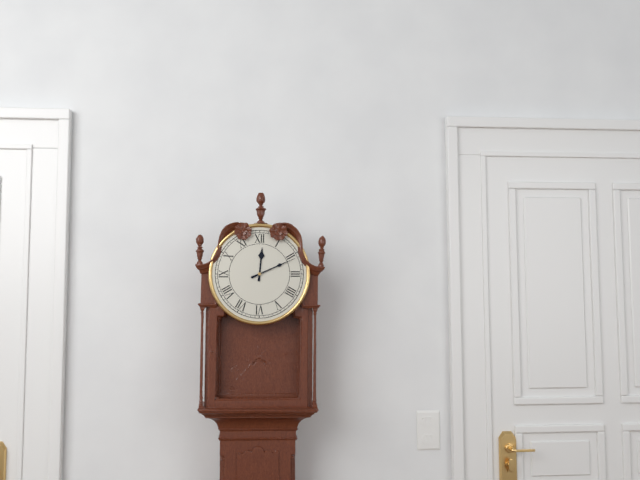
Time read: 12,11
